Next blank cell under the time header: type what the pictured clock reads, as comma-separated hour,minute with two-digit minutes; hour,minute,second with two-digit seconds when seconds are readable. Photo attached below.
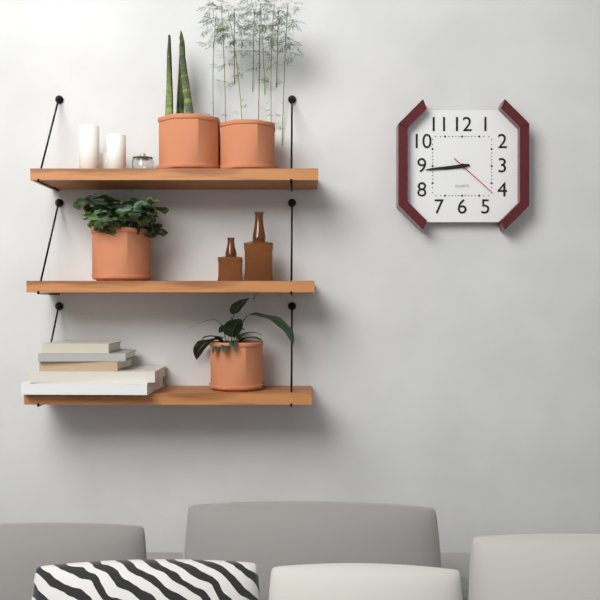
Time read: 8,44
